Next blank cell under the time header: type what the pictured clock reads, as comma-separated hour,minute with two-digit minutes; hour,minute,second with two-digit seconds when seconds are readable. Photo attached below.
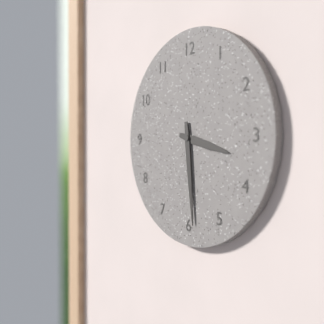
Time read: 3,29
